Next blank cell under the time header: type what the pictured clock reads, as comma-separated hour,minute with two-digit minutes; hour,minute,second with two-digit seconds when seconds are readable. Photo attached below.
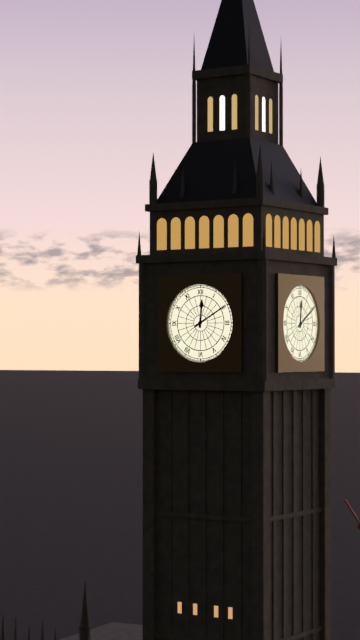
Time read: 12,10
